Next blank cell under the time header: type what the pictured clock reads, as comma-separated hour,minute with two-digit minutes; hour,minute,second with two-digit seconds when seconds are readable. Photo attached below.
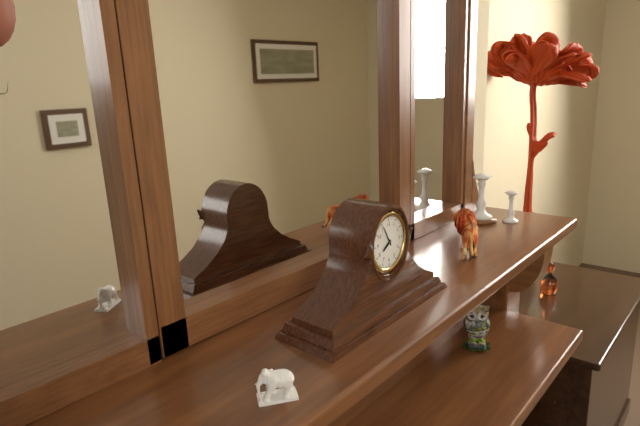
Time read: 7,55
